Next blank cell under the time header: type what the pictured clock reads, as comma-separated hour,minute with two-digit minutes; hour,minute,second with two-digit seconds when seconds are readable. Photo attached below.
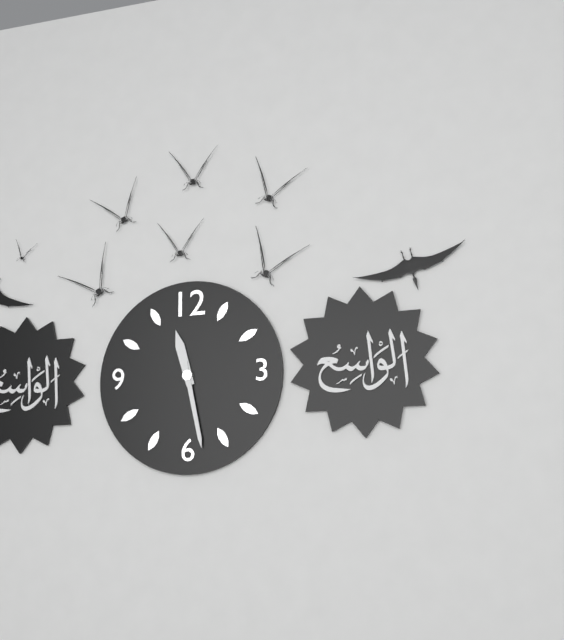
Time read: 11,28
